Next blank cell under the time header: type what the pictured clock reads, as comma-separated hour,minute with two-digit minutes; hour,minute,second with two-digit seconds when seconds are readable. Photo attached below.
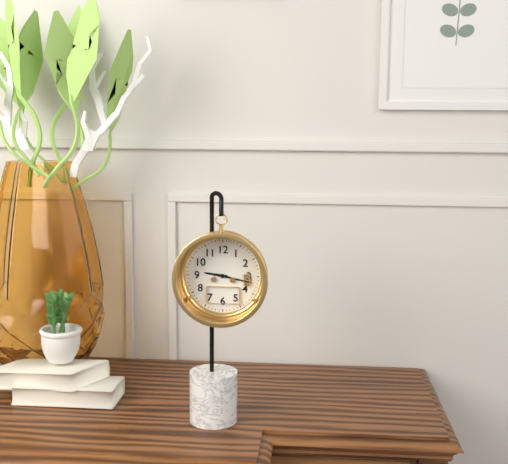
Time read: 9,17
